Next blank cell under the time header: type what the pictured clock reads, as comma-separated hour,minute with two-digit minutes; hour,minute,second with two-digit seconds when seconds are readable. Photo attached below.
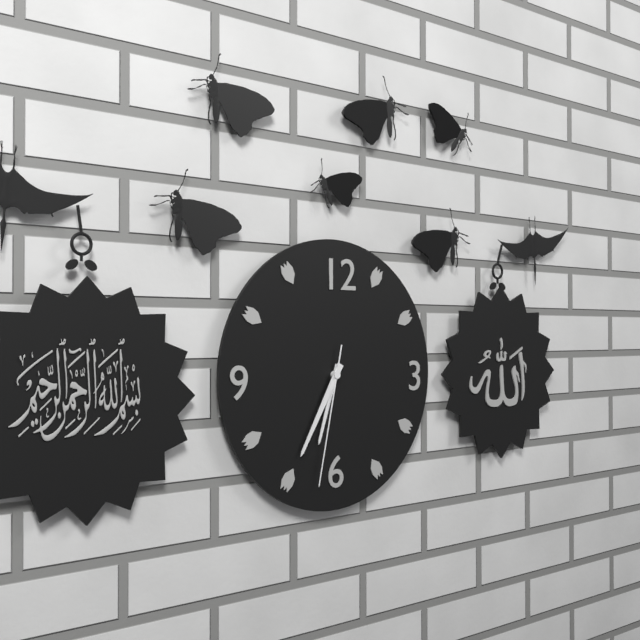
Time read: 6,35,32
